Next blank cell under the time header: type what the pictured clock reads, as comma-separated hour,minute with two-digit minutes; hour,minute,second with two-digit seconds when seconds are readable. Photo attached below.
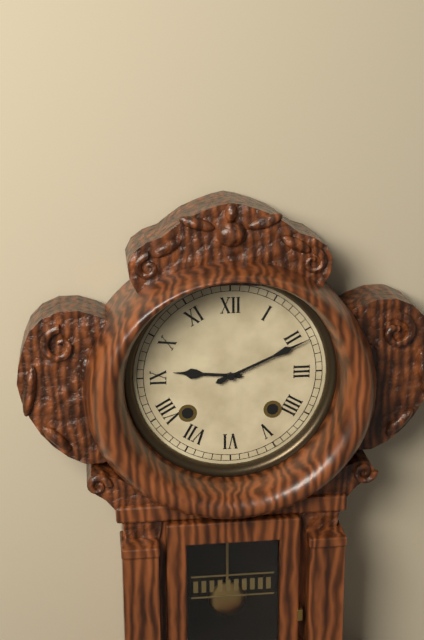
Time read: 9,11
